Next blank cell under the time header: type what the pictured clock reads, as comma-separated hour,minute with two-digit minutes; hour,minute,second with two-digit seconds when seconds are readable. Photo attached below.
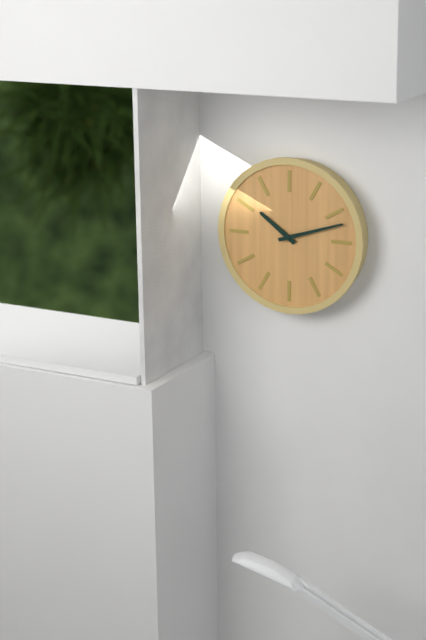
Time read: 10,12
